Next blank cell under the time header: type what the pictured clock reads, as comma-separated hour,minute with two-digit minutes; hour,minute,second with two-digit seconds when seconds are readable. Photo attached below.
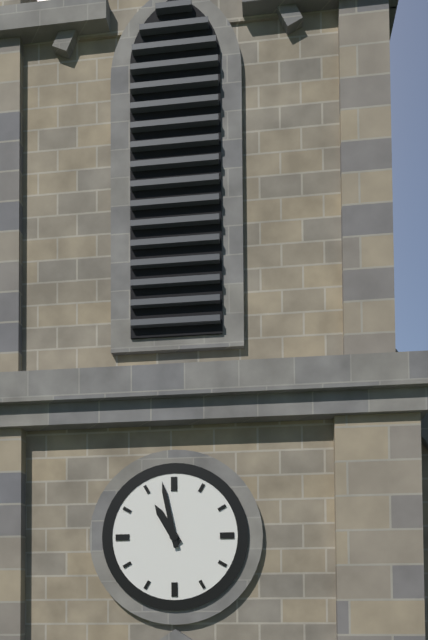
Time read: 10,58
